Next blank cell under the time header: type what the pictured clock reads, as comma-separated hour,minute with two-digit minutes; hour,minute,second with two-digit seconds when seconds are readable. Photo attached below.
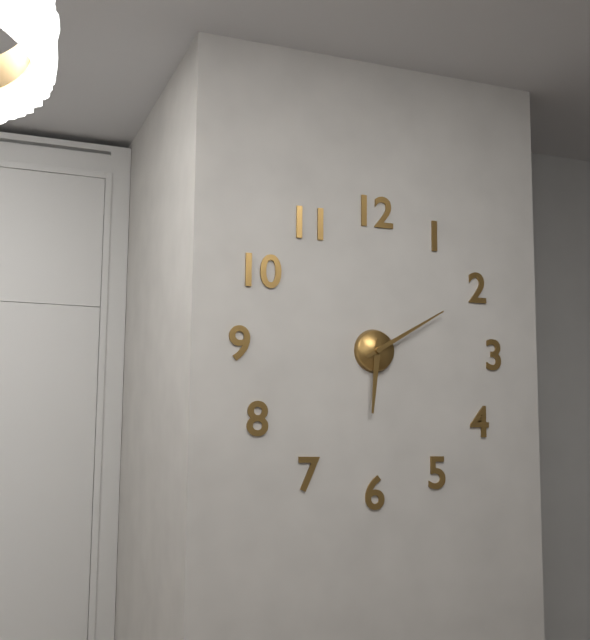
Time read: 6,10
